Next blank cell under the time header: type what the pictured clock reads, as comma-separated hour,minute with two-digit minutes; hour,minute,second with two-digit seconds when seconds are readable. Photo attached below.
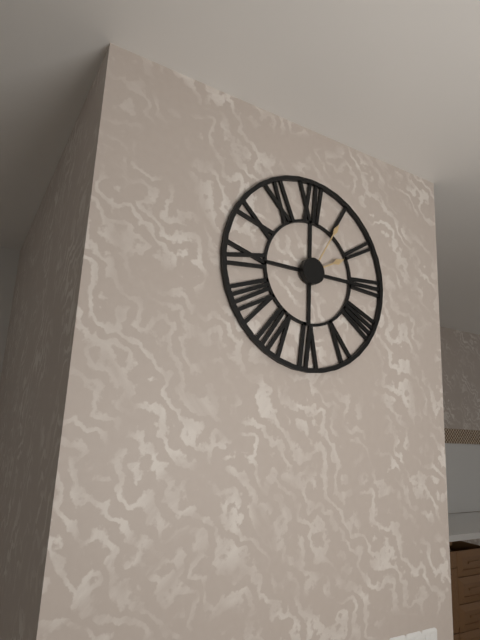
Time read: 2,05
